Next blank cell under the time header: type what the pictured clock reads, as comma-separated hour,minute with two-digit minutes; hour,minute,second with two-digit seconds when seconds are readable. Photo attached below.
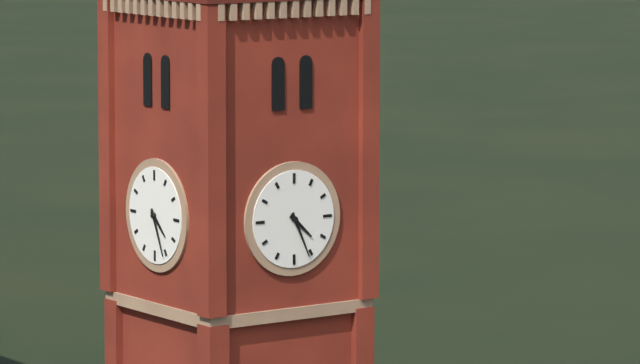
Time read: 4,26
